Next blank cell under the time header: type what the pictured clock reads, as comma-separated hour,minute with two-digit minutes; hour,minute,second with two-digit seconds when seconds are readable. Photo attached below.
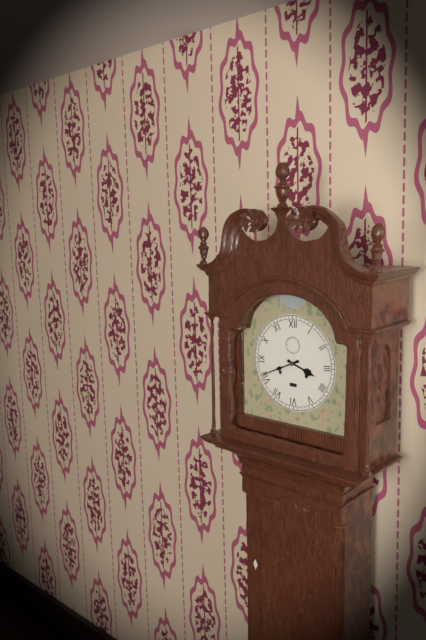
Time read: 3,41
